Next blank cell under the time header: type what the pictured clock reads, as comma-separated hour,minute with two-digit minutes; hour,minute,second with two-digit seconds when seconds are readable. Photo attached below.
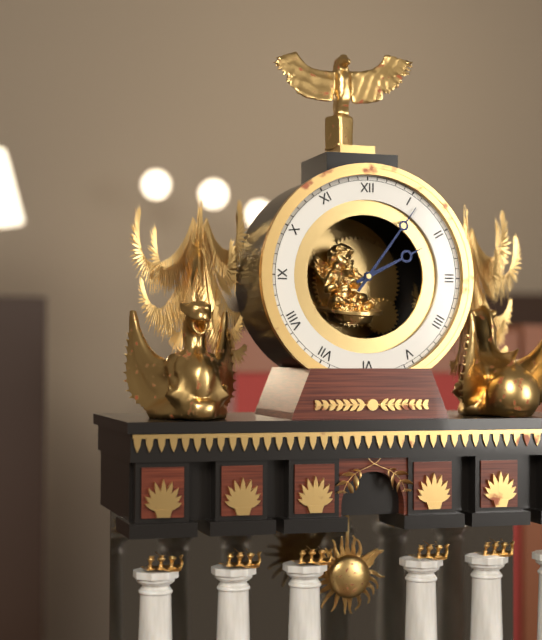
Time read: 2,06
